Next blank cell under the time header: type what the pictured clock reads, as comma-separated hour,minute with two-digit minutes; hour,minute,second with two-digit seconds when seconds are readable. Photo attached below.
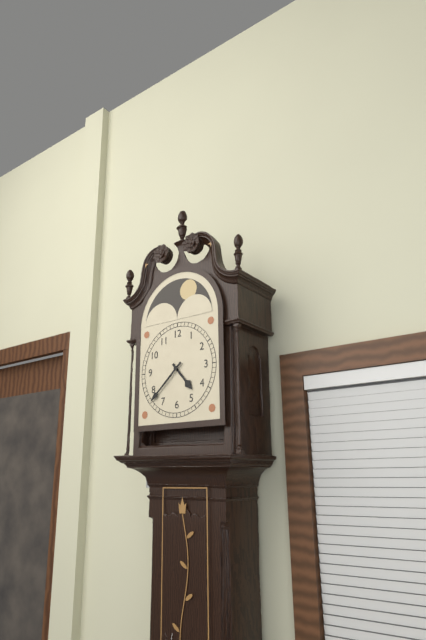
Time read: 4,38
